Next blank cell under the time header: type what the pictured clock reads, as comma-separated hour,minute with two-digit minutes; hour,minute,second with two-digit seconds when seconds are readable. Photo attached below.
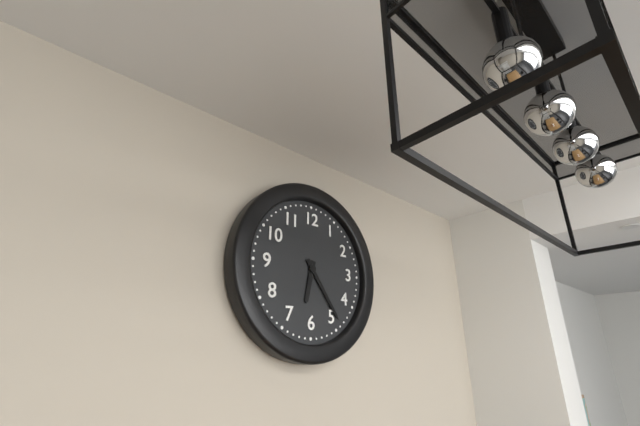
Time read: 6,24
